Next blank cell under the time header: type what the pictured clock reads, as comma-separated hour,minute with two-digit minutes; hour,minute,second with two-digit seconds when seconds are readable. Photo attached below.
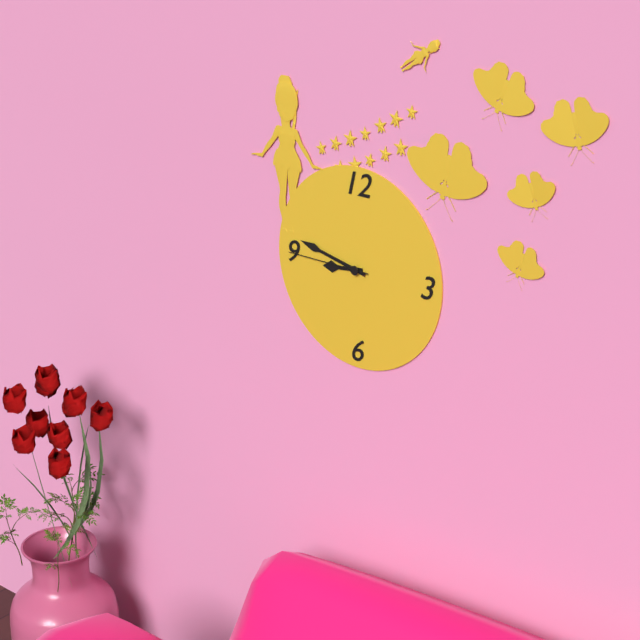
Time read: 8,47,45
